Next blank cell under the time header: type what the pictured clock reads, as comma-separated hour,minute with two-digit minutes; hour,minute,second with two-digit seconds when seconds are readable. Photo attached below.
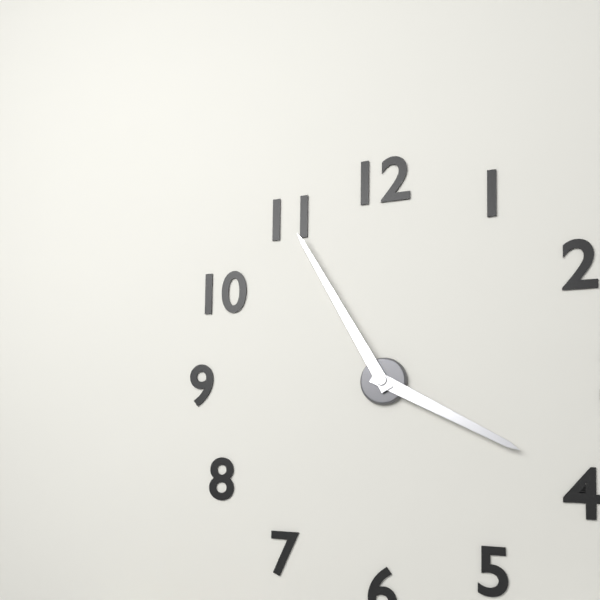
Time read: 3,55
